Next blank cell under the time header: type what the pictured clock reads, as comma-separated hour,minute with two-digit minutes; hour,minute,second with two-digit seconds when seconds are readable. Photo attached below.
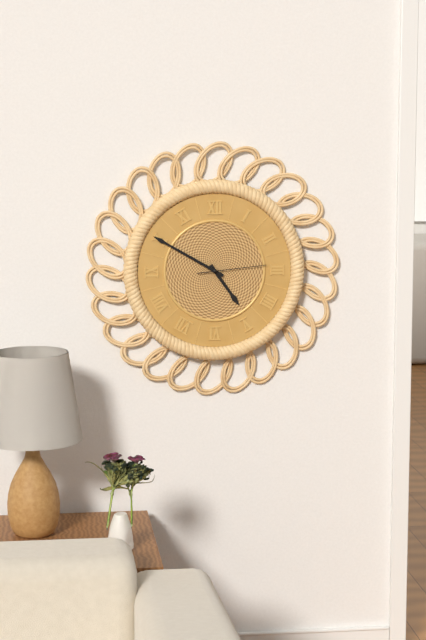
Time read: 4,50,14
